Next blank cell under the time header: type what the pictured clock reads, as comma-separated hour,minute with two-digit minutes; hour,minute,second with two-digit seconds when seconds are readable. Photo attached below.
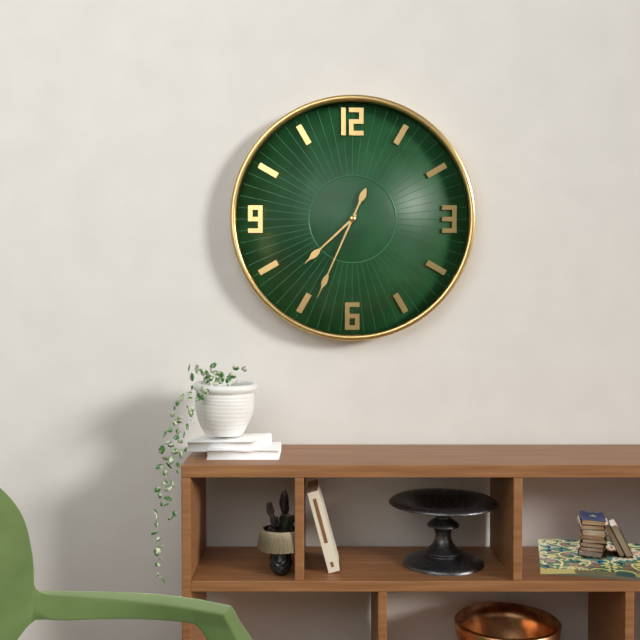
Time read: 7,34
